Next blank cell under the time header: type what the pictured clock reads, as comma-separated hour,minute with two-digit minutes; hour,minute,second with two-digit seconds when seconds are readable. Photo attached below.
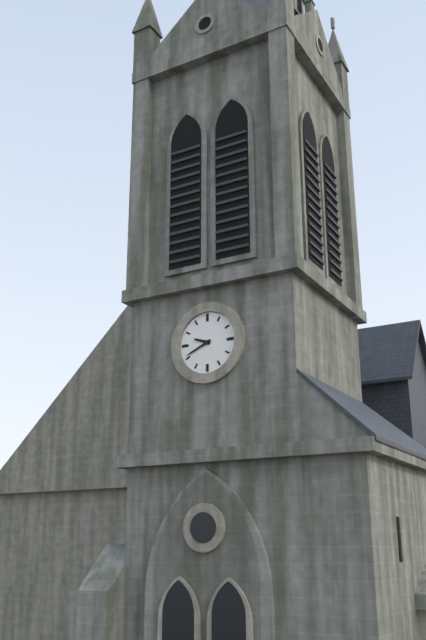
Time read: 9,41
